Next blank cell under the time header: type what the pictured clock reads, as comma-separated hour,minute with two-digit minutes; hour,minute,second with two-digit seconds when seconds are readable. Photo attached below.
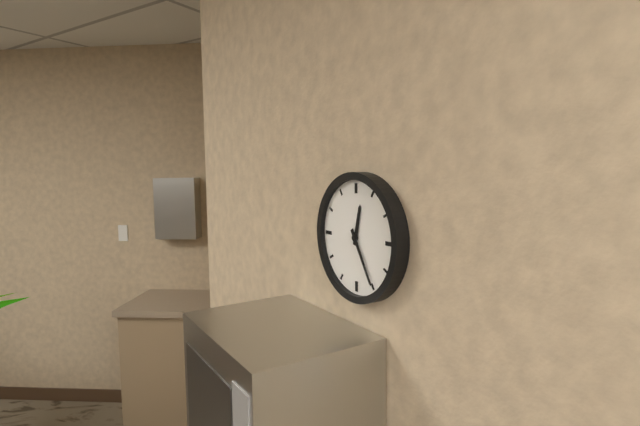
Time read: 12,25
